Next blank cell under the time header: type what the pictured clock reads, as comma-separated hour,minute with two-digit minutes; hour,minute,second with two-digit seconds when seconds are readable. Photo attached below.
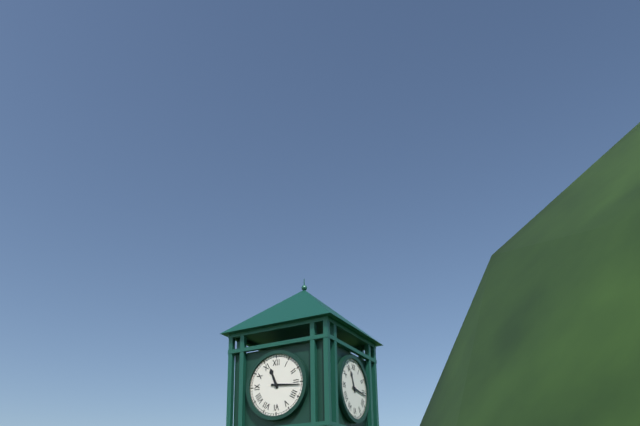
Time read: 11,16
